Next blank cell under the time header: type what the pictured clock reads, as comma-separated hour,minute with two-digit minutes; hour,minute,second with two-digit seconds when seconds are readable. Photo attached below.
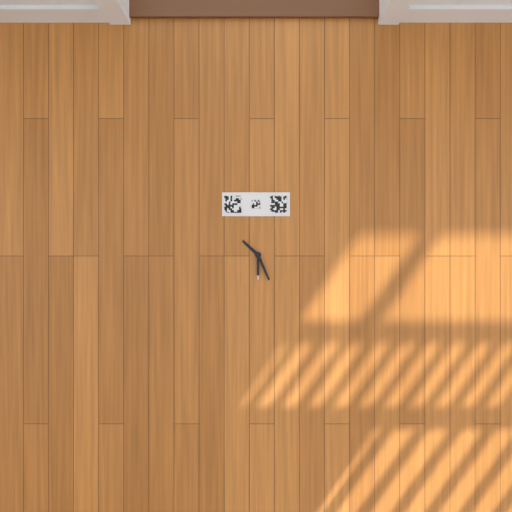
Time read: 10,26
